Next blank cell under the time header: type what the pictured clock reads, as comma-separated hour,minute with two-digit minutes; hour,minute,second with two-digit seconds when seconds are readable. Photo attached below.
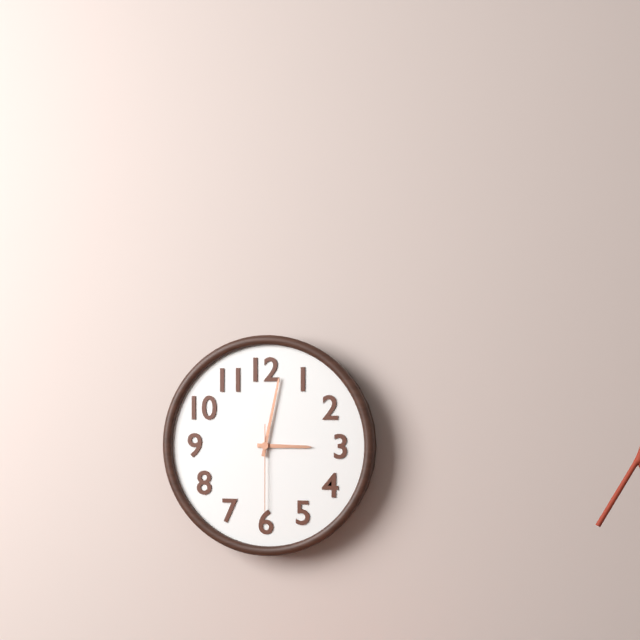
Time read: 3,02,30
